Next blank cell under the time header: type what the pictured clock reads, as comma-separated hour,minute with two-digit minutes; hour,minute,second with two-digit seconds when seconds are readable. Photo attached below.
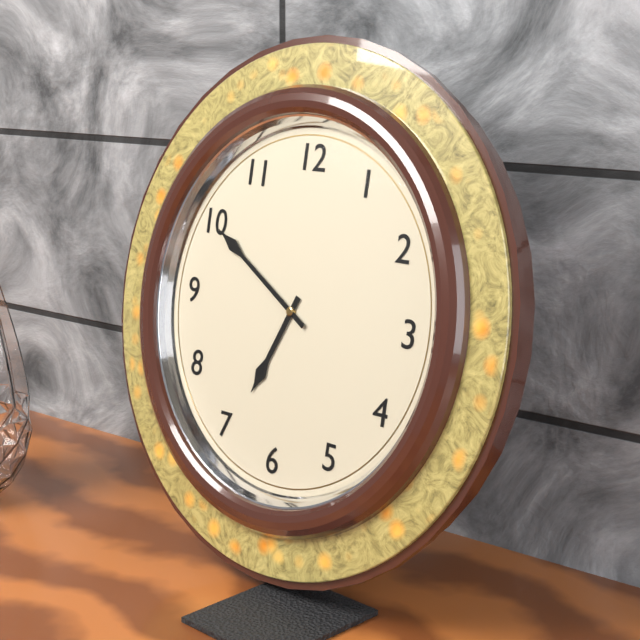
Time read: 6,50
